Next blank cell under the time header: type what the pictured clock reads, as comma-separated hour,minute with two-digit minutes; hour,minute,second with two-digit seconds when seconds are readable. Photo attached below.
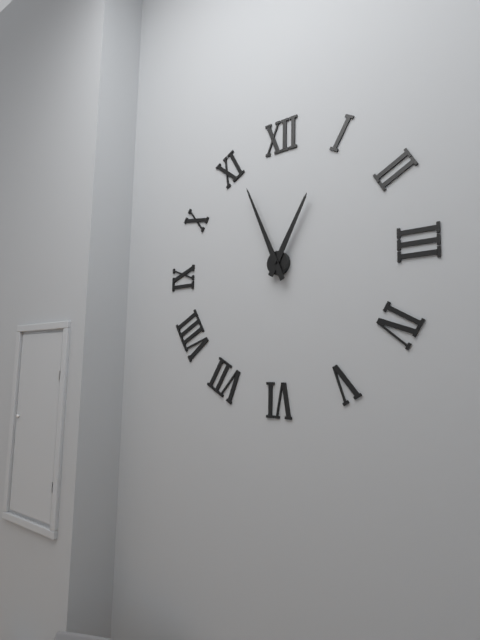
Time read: 12,56
